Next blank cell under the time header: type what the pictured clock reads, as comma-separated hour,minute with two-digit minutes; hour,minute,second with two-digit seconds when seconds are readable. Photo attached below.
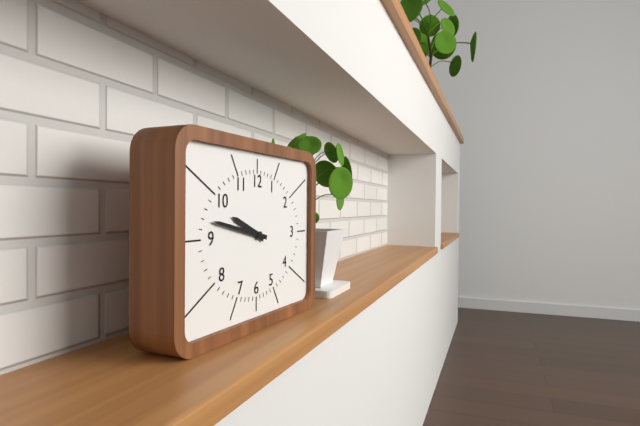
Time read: 9,47
